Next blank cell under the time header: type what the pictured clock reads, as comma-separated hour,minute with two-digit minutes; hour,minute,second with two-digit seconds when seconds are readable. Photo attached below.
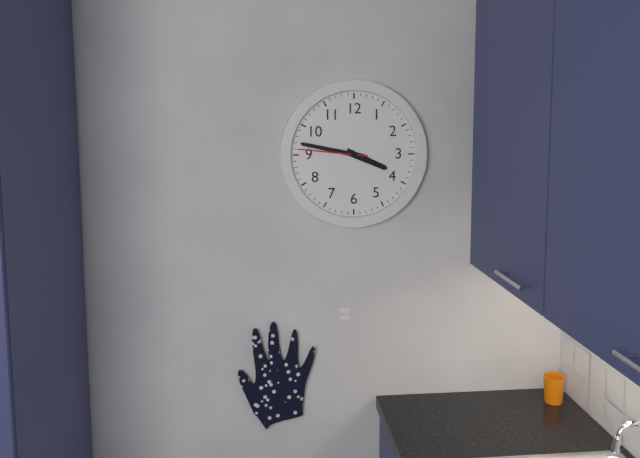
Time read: 3,47,46
